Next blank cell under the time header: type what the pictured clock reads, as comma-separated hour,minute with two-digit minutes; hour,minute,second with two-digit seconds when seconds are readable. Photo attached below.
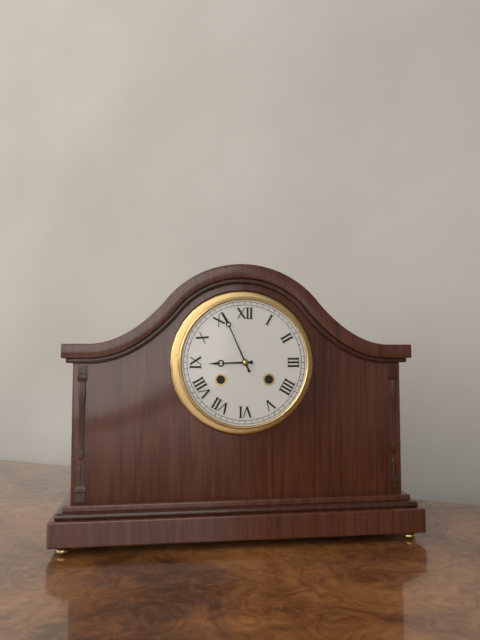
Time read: 8,56
